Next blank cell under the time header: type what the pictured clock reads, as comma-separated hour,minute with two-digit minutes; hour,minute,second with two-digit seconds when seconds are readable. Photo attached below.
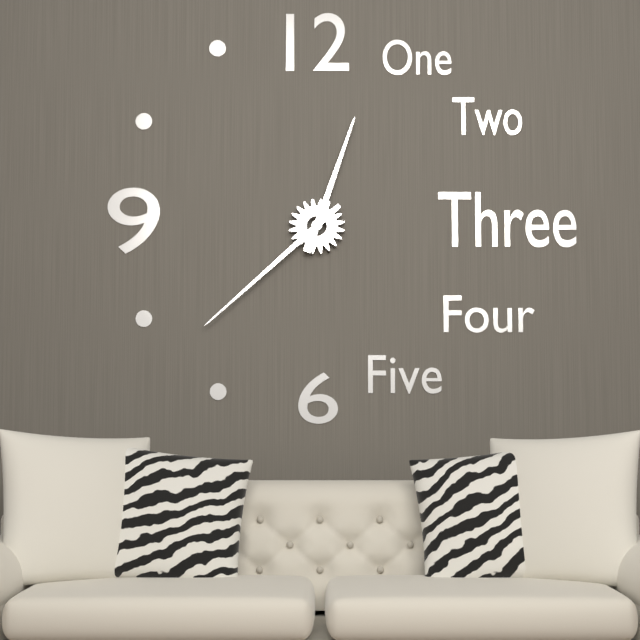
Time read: 12,38
